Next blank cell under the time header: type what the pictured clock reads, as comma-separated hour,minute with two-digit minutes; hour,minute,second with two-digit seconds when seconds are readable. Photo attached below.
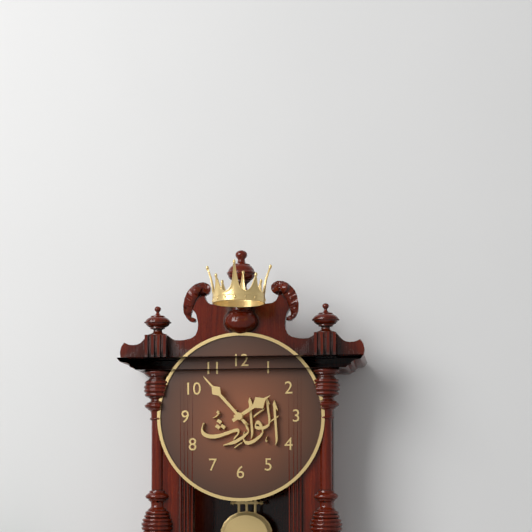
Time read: 1,53
